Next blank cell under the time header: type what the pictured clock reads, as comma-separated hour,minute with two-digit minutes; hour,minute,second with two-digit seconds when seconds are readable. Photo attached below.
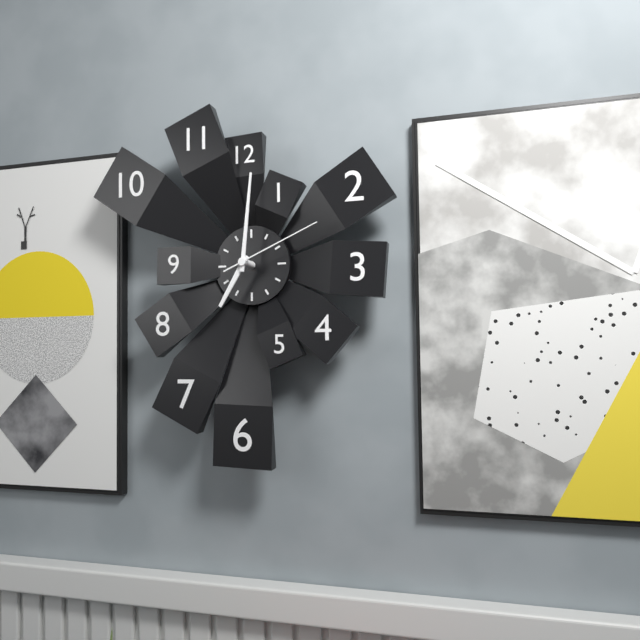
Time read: 7,01,11
